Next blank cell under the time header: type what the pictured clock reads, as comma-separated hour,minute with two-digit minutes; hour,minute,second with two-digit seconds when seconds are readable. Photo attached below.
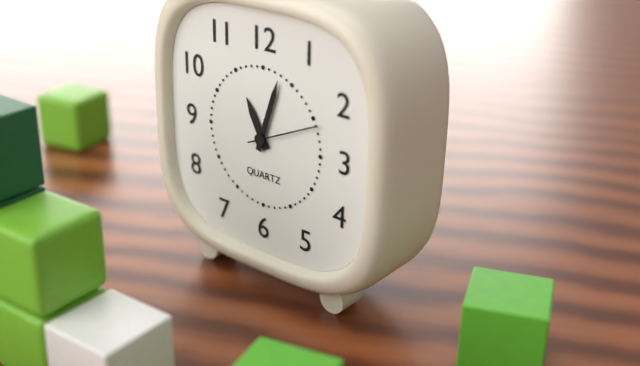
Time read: 11,03,11
